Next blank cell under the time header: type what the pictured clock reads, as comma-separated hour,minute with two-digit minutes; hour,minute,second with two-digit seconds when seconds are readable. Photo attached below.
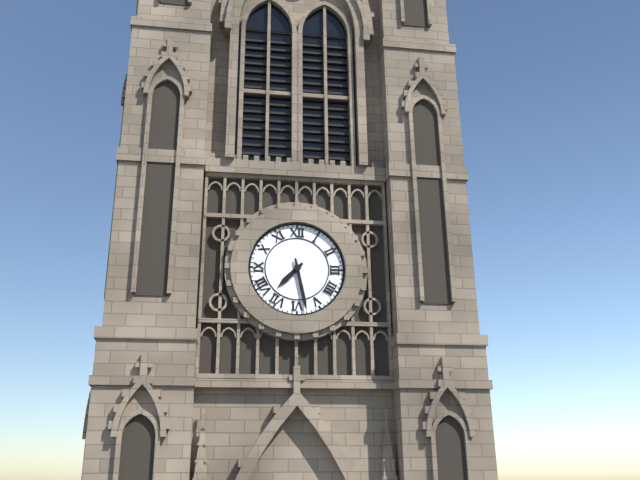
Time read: 7,28
